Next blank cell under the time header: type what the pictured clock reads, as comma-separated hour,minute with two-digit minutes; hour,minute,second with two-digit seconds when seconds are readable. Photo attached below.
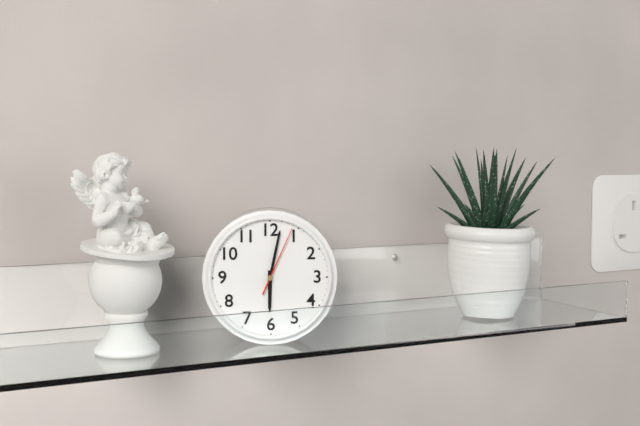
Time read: 6,02,04
